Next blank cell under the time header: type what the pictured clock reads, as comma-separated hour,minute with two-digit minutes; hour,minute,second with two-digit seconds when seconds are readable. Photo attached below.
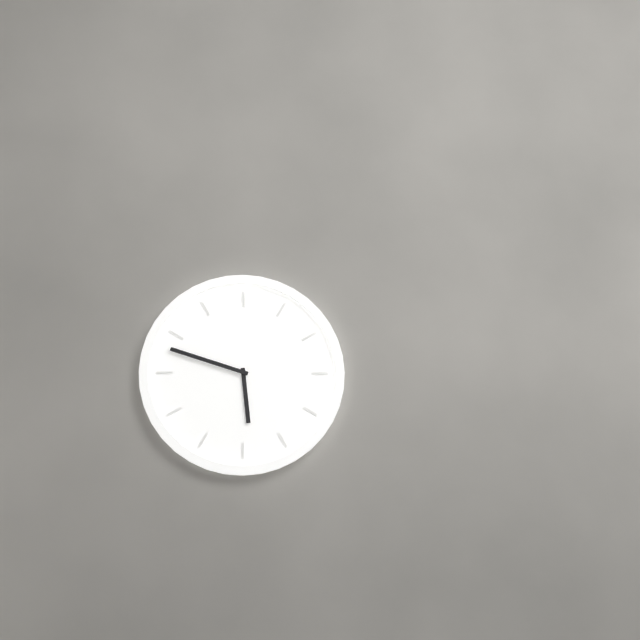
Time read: 5,48
